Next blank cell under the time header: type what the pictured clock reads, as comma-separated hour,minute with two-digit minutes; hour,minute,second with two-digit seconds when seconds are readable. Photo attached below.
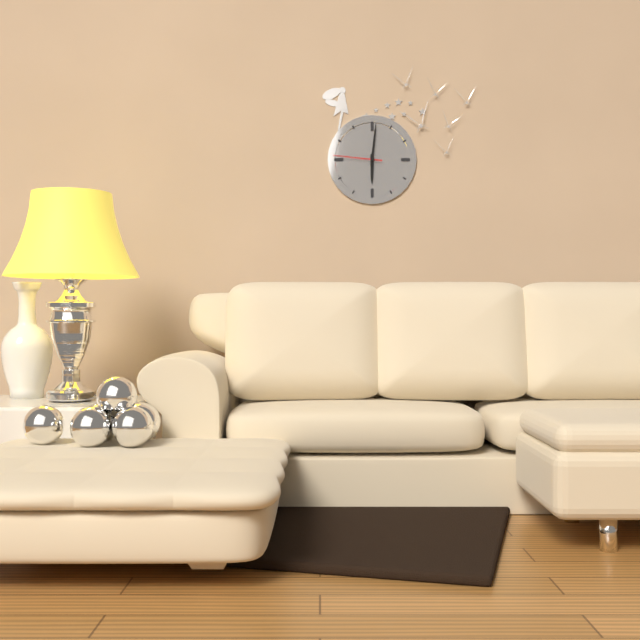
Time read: 6,01
